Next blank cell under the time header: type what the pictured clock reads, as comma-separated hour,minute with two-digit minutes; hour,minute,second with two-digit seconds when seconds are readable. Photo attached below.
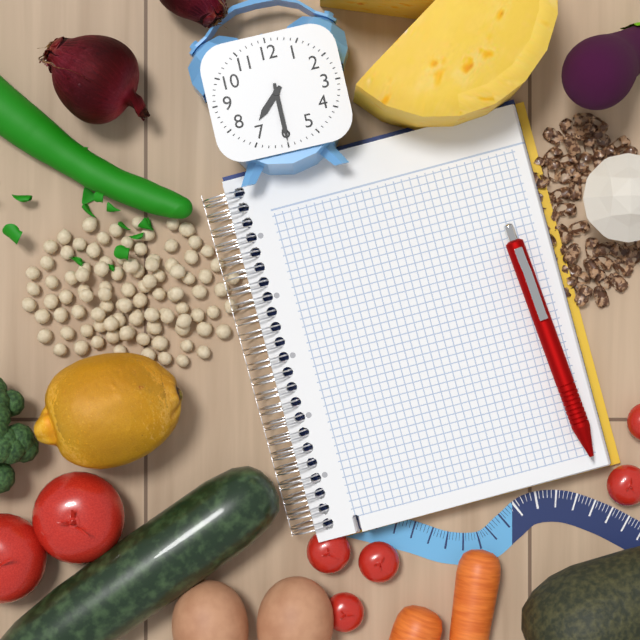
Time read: 7,30
